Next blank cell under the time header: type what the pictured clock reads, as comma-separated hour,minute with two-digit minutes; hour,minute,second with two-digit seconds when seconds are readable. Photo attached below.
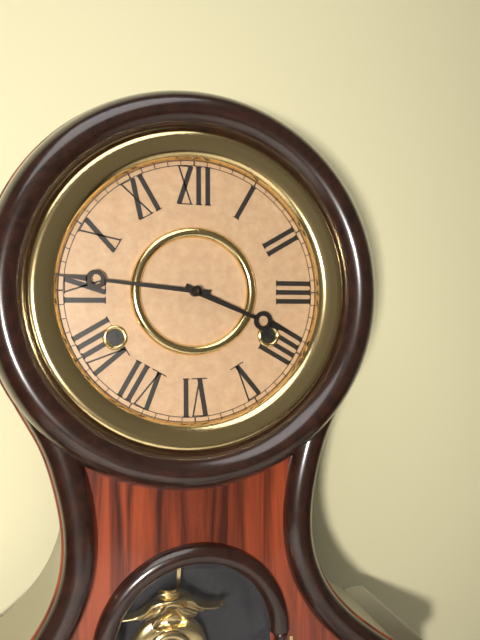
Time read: 3,46
